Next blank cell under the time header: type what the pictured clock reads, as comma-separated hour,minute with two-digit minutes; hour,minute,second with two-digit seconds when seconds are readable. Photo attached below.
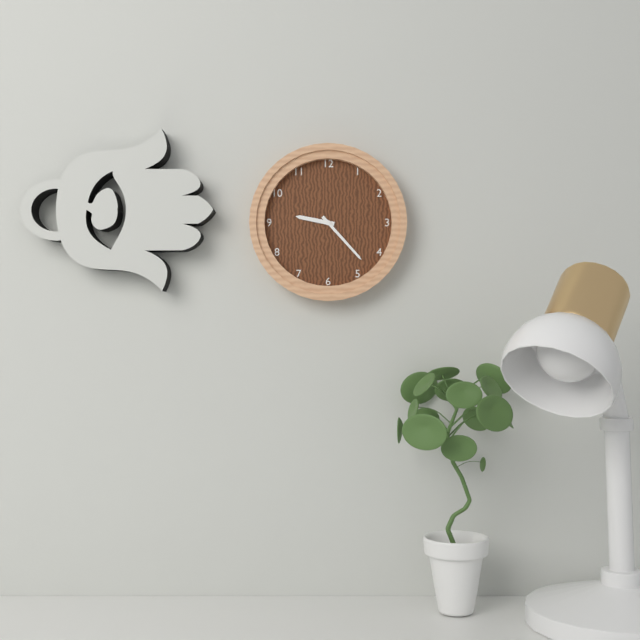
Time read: 9,23
